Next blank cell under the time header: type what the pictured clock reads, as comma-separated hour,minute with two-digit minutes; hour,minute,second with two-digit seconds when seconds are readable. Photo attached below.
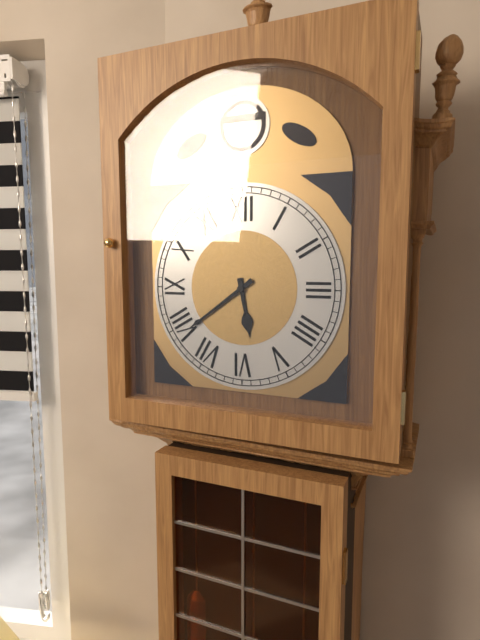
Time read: 5,39
